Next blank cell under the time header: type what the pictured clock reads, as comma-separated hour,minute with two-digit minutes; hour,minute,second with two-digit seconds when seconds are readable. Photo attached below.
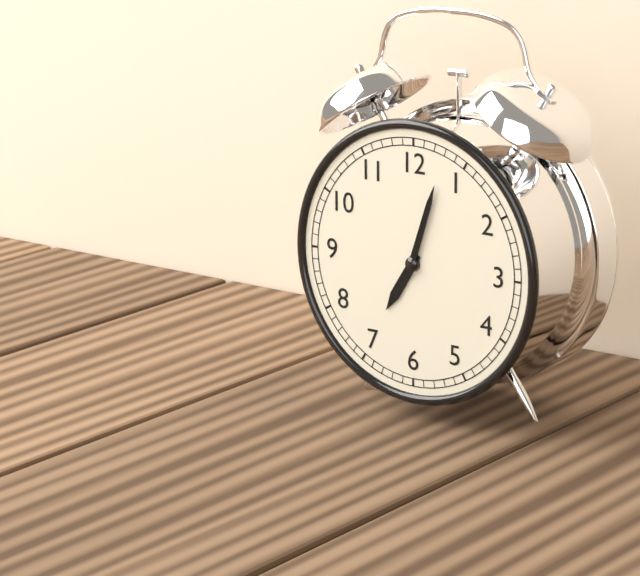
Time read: 7,03
